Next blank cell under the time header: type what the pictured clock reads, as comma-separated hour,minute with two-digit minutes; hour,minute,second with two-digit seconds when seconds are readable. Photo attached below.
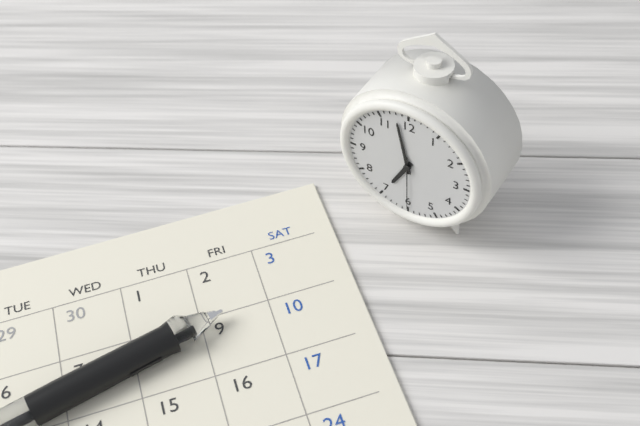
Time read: 6,58,30
